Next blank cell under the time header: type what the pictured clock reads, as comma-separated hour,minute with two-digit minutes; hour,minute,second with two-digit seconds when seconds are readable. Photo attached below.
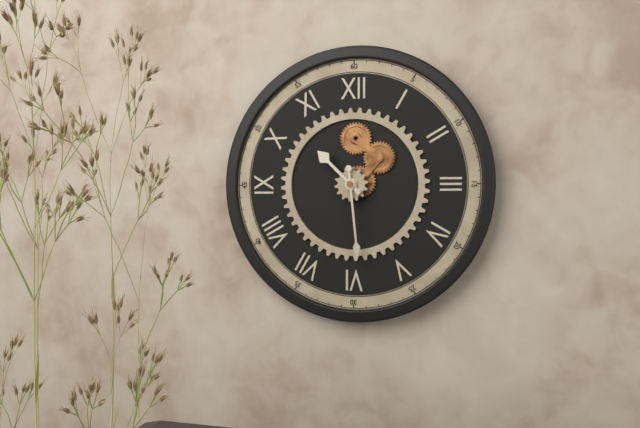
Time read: 10,29
